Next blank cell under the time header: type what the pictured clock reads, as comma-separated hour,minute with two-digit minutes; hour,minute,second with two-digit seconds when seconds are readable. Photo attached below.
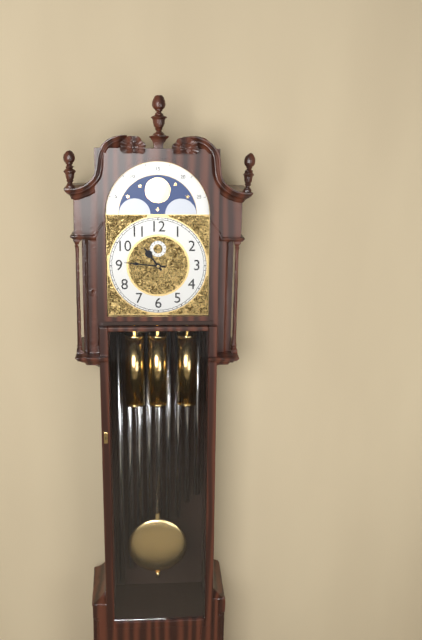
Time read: 10,46
